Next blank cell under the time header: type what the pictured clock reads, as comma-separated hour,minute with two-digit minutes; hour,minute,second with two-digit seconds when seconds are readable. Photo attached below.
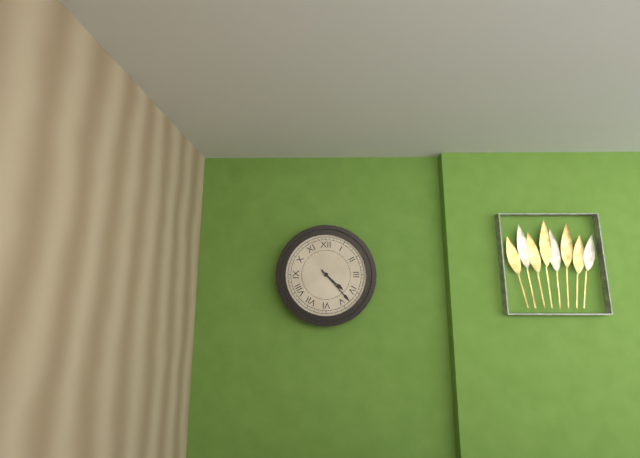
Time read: 4,23
